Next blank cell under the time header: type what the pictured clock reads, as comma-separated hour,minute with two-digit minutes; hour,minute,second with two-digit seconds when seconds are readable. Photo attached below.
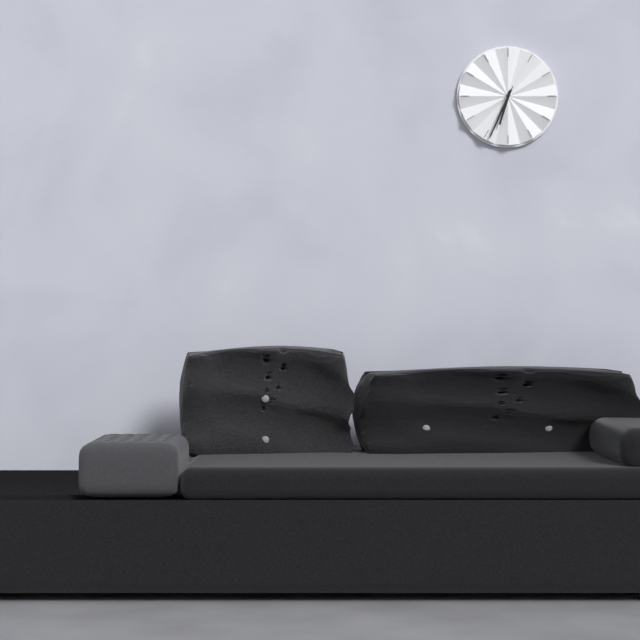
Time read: 6,34,34
